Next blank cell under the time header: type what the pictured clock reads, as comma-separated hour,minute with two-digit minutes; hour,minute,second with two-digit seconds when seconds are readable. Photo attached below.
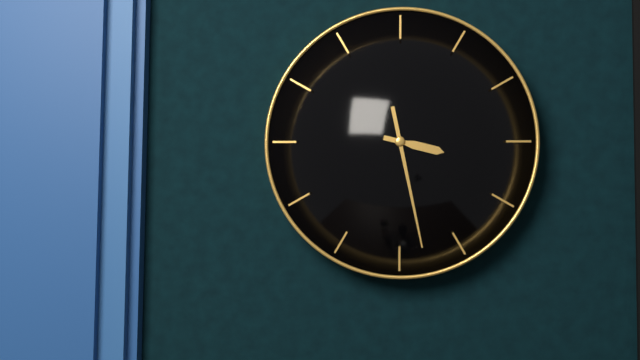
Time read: 3,28
